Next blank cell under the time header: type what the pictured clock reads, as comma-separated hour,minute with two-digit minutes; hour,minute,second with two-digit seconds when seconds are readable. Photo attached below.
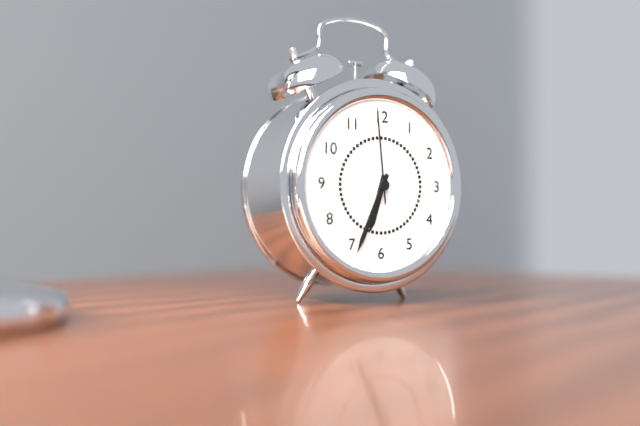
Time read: 6,34,59
